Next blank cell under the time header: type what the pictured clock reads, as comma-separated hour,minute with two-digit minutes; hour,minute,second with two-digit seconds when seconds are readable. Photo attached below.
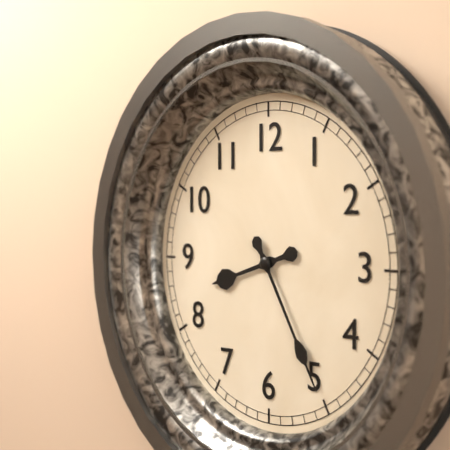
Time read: 8,25
